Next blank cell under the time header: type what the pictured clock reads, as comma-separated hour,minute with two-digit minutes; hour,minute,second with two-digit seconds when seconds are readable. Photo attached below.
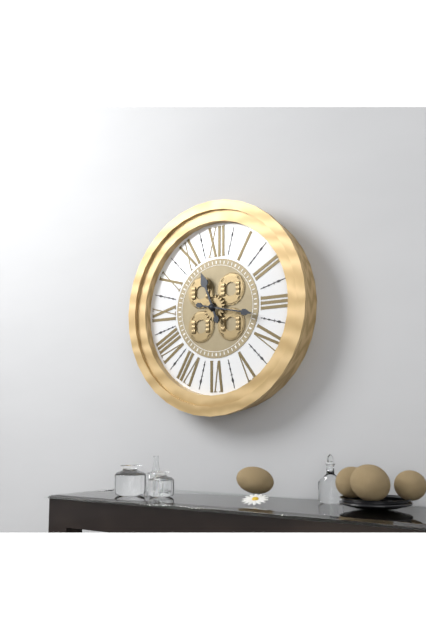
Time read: 11,17
